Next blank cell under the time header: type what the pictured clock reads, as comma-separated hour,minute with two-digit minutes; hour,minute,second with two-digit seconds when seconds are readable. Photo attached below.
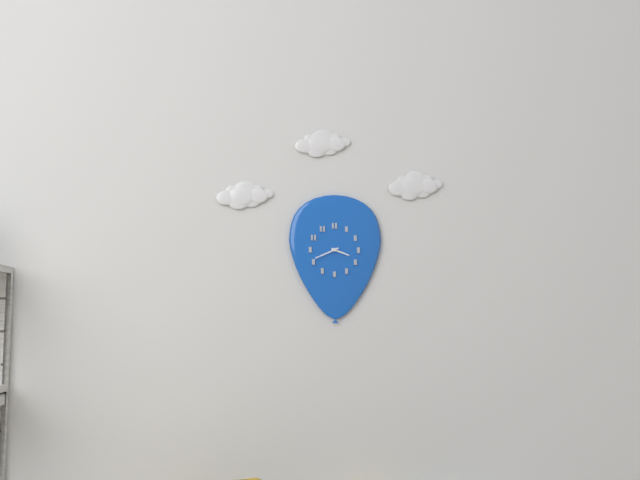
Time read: 3,41
